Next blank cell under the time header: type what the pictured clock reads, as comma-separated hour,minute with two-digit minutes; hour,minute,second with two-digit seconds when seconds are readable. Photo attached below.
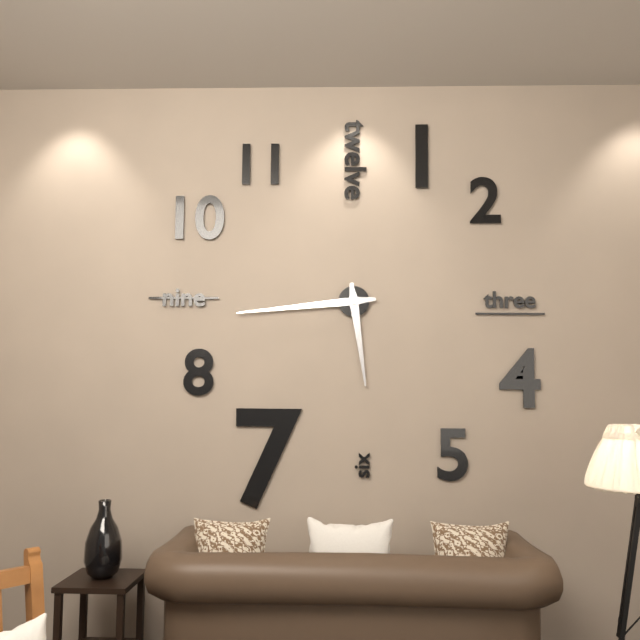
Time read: 5,44
